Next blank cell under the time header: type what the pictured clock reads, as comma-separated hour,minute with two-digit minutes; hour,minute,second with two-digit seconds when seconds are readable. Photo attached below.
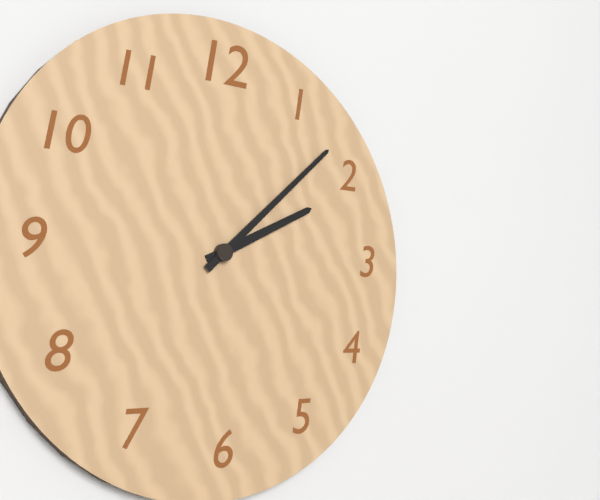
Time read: 2,08
